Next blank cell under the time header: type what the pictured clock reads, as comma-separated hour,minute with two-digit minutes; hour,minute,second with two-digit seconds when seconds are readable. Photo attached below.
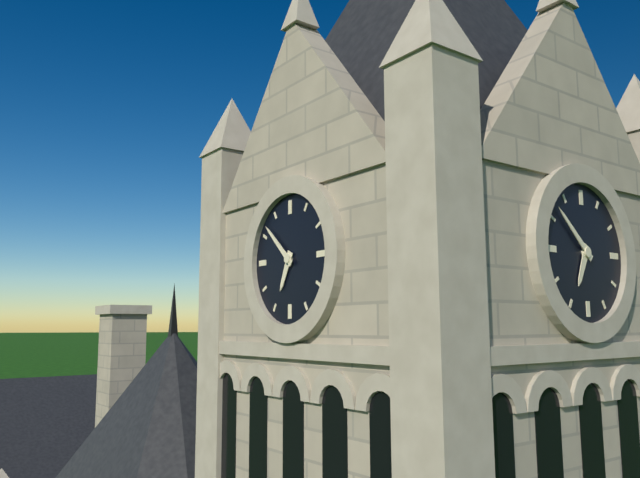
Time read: 6,52
